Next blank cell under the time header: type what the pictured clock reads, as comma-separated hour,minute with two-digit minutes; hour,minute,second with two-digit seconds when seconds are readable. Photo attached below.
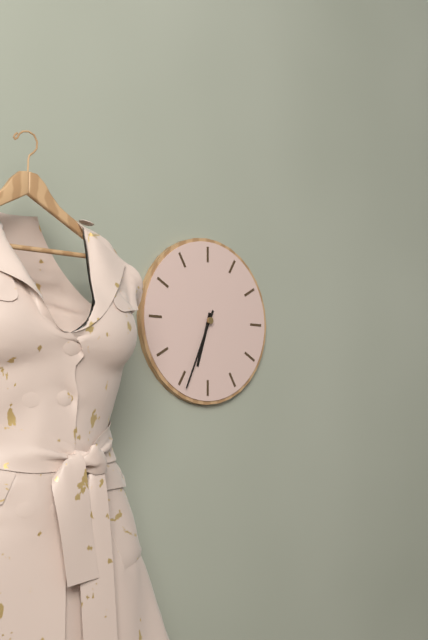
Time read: 6,34
